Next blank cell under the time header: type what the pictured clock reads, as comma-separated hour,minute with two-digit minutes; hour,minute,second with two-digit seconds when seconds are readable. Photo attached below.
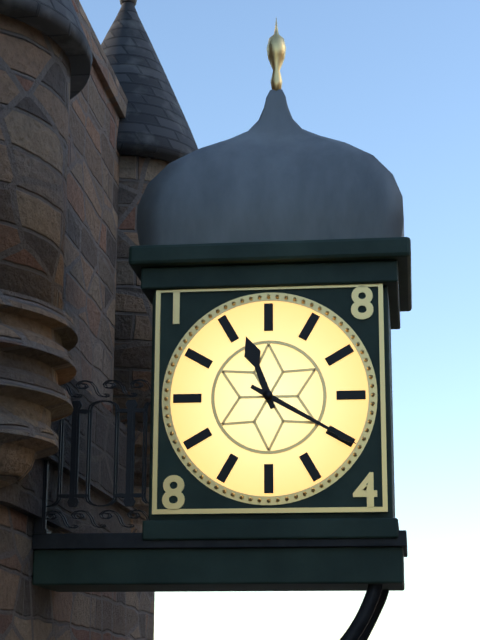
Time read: 11,20
